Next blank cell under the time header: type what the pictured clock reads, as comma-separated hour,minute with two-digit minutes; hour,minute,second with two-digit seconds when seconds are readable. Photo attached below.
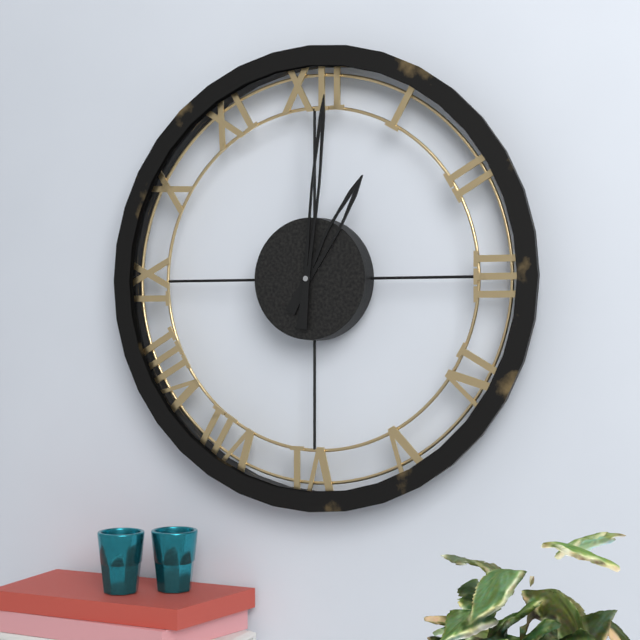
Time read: 1,01
